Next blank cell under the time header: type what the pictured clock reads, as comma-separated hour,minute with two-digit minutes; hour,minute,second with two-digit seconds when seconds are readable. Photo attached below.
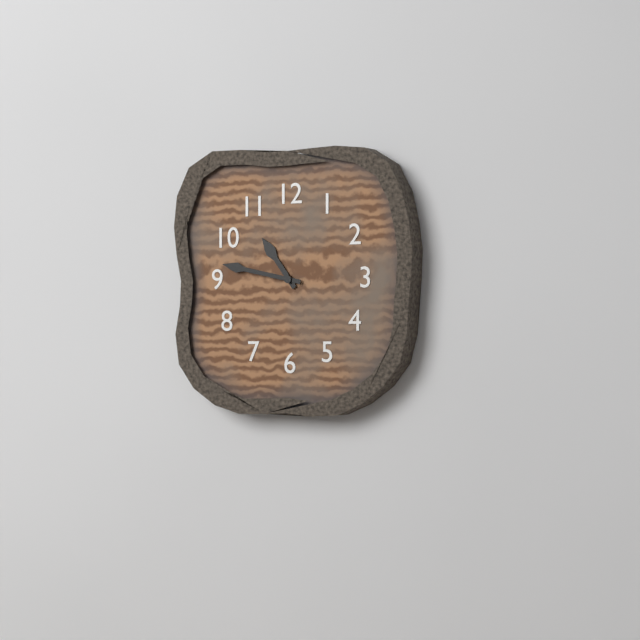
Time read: 10,47
